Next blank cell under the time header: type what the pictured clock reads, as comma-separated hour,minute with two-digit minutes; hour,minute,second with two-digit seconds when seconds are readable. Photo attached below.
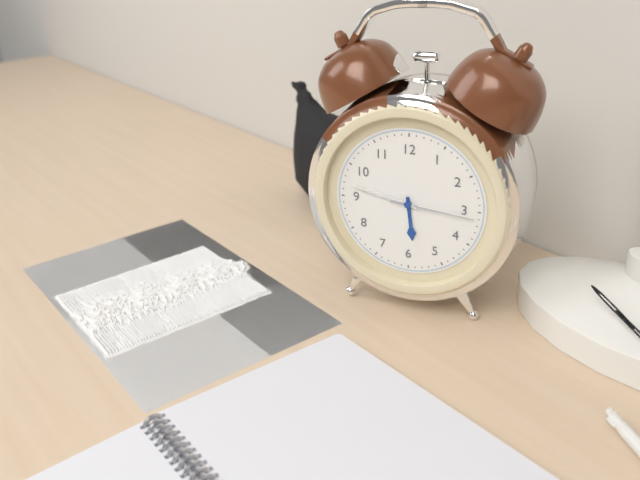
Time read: 5,47,16
